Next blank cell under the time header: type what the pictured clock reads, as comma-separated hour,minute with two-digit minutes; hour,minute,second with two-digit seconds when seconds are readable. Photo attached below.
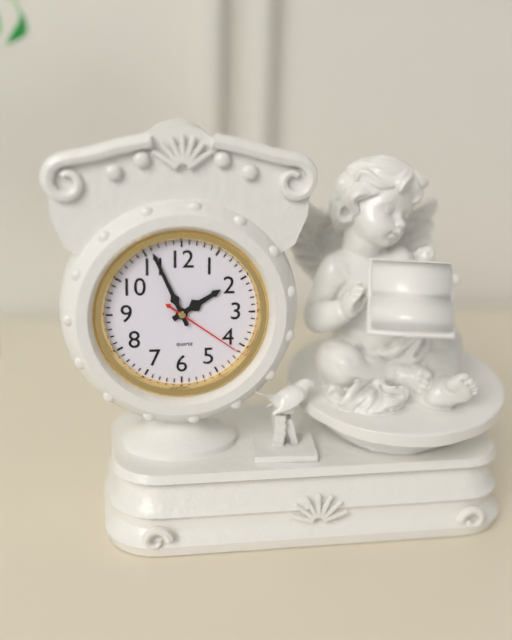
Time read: 1,56,21
